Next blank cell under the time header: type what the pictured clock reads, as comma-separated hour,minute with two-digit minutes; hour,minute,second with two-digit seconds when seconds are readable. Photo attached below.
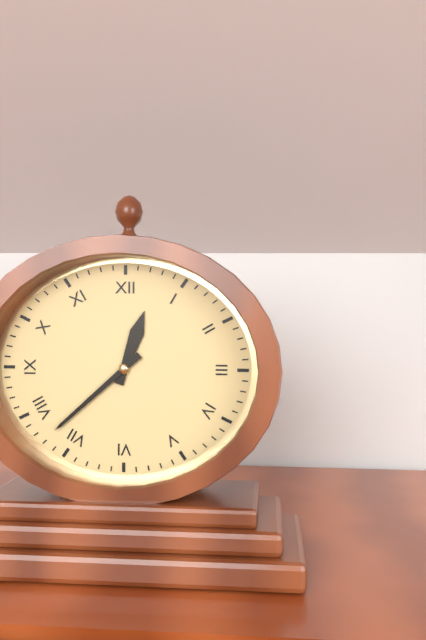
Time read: 12,38
